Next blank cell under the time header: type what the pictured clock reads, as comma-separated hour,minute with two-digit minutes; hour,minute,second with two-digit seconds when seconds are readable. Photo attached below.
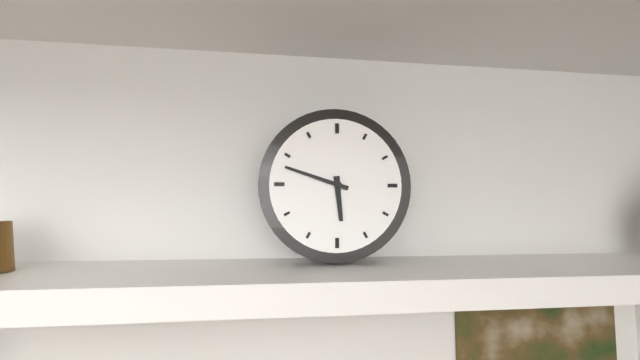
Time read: 5,48
